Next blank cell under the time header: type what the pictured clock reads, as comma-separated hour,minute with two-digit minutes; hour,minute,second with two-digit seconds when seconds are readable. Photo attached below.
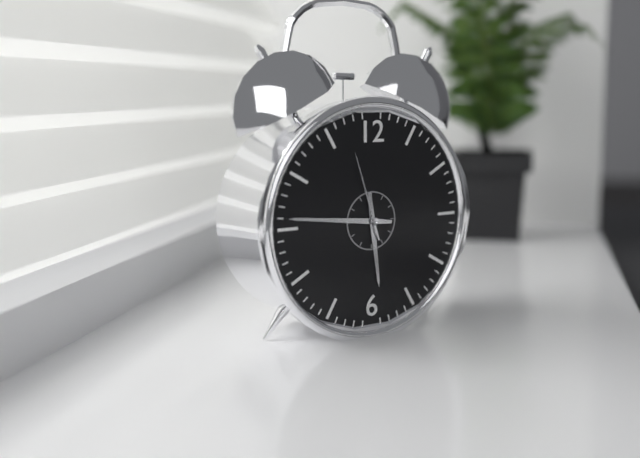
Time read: 5,46,57
